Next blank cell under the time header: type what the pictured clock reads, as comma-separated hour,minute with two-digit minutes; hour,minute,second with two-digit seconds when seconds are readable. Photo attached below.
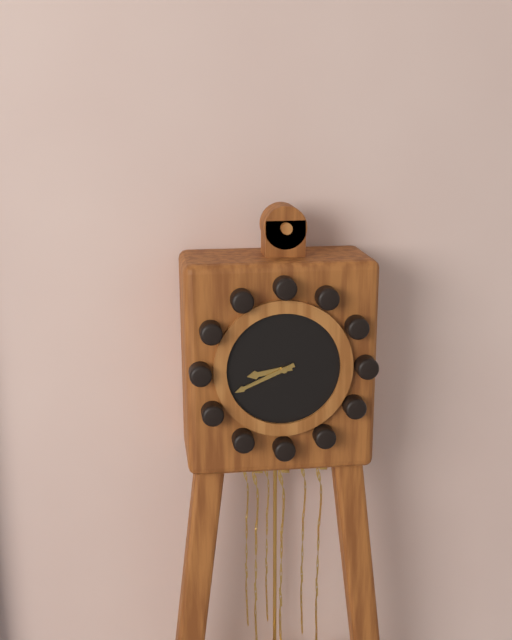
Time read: 8,41
